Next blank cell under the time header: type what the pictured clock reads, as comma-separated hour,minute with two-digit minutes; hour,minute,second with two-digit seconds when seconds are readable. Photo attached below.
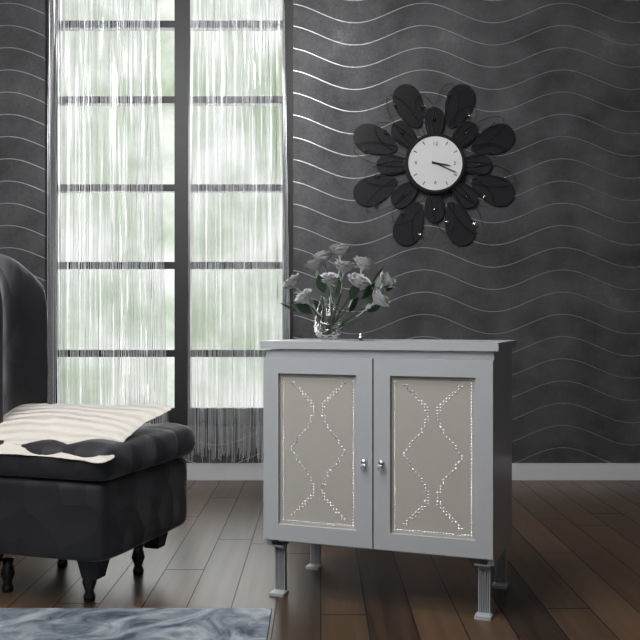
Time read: 3,19
